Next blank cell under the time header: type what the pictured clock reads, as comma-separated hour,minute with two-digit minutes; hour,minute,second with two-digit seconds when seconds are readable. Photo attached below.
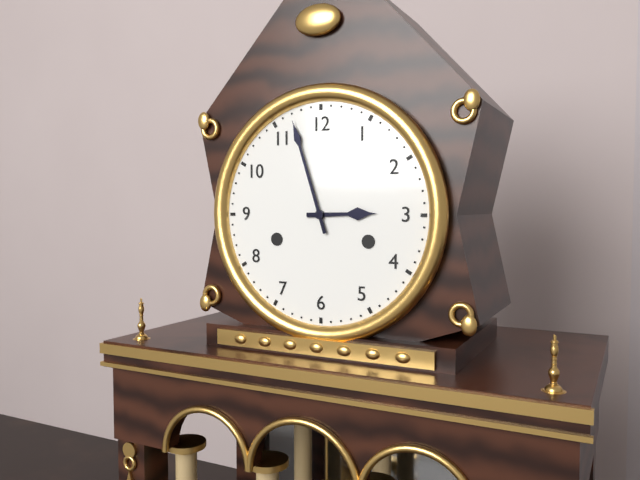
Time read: 2,57
